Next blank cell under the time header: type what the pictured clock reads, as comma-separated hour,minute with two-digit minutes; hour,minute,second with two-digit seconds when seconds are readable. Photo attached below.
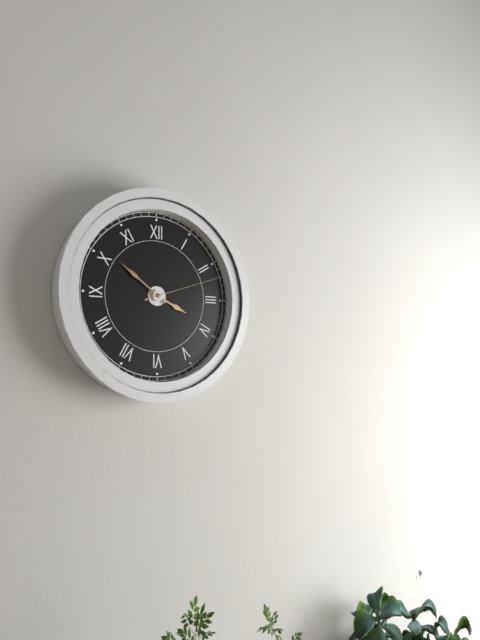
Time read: 3,51,12
